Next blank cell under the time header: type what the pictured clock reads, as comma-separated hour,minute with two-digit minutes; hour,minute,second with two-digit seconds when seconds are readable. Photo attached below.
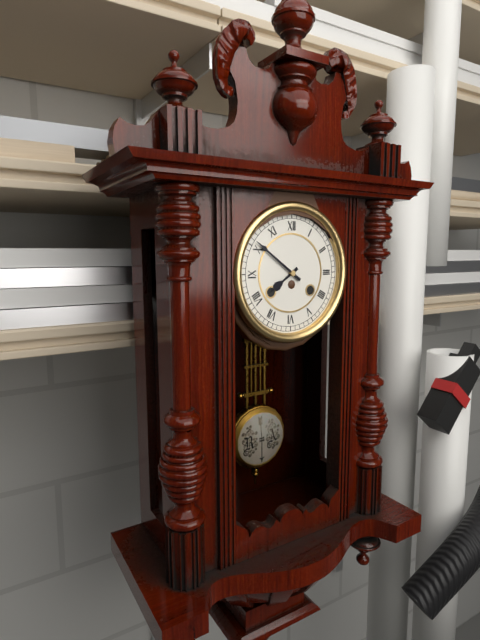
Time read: 7,51
